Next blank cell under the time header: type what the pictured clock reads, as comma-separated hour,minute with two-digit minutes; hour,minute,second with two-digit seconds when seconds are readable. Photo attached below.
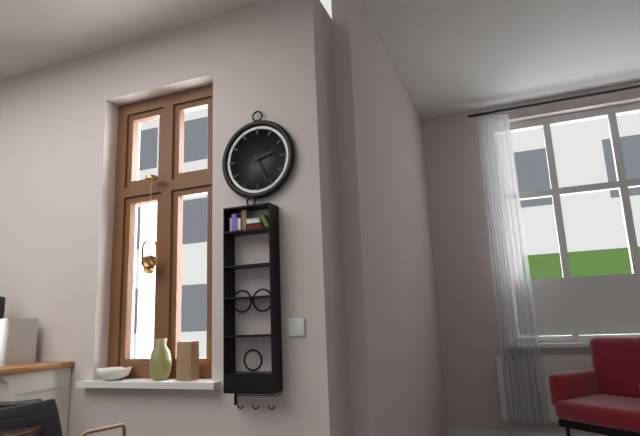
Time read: 2,26
